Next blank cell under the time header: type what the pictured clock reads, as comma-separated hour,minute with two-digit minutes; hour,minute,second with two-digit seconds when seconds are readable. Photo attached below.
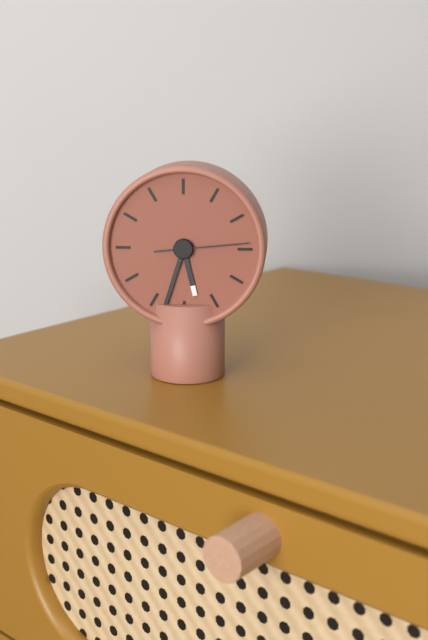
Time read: 5,33,14
